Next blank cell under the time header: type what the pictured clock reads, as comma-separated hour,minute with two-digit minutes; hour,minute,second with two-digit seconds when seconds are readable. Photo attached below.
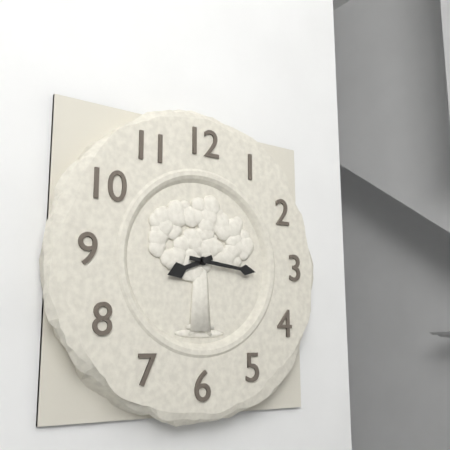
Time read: 8,16
